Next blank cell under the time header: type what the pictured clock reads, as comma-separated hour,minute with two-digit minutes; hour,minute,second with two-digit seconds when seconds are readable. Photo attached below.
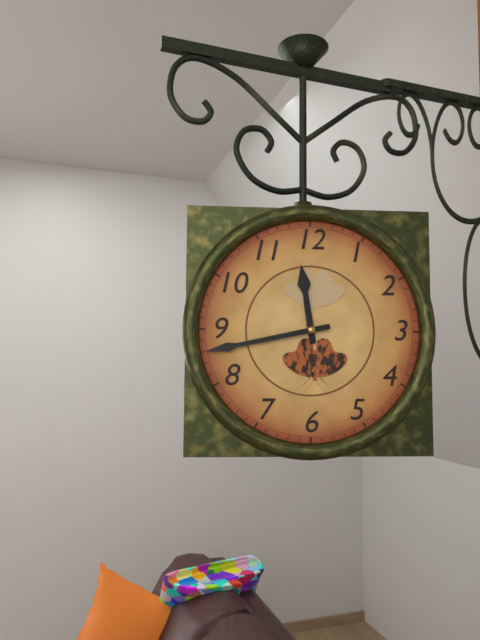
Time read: 11,43
